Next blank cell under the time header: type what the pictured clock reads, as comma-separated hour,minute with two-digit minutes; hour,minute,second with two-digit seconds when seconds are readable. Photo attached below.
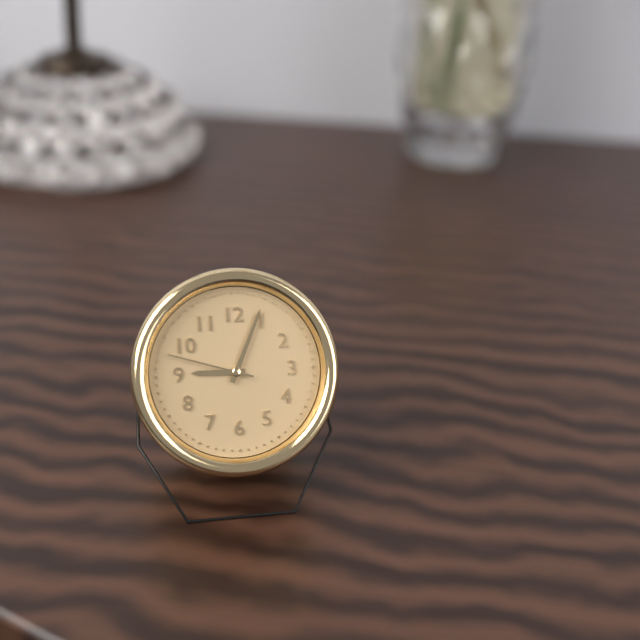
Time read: 9,04,48
